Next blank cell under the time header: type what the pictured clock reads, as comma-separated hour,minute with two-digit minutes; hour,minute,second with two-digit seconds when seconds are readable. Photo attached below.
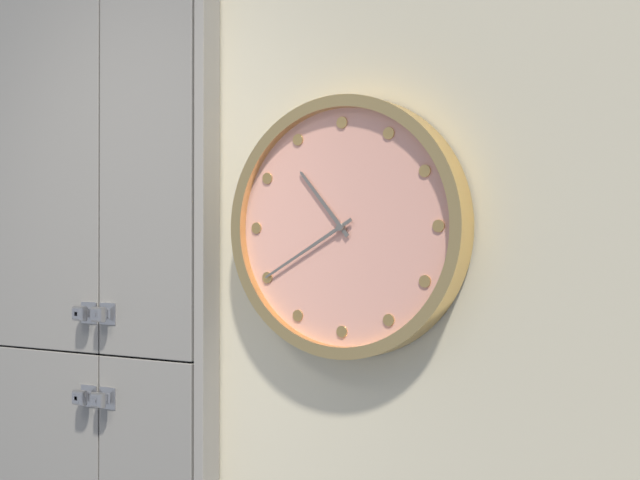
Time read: 10,40
